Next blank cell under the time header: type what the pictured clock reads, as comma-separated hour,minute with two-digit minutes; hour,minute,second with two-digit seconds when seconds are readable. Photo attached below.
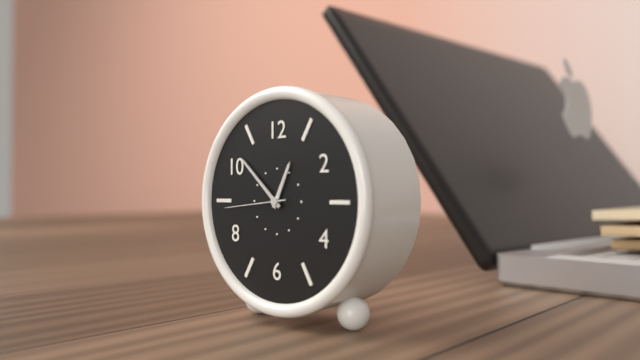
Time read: 12,52,44
